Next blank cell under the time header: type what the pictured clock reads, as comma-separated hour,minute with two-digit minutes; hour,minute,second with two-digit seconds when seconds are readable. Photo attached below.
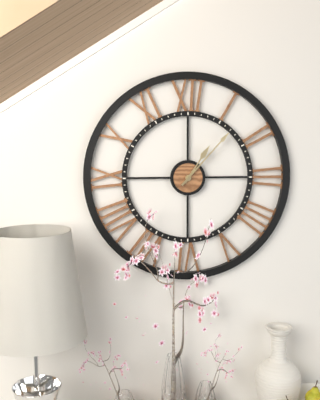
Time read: 1,07
